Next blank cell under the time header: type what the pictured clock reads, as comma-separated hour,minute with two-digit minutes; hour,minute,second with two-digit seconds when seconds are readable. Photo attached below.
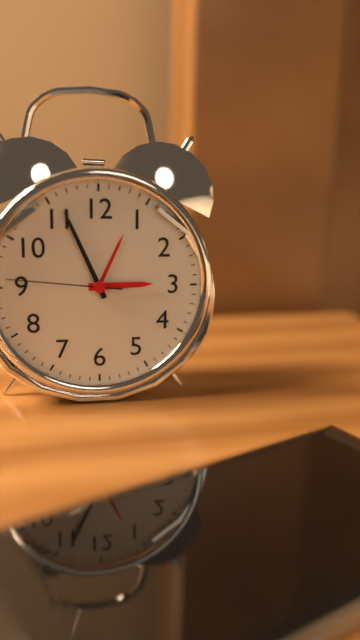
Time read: 2,56,46
